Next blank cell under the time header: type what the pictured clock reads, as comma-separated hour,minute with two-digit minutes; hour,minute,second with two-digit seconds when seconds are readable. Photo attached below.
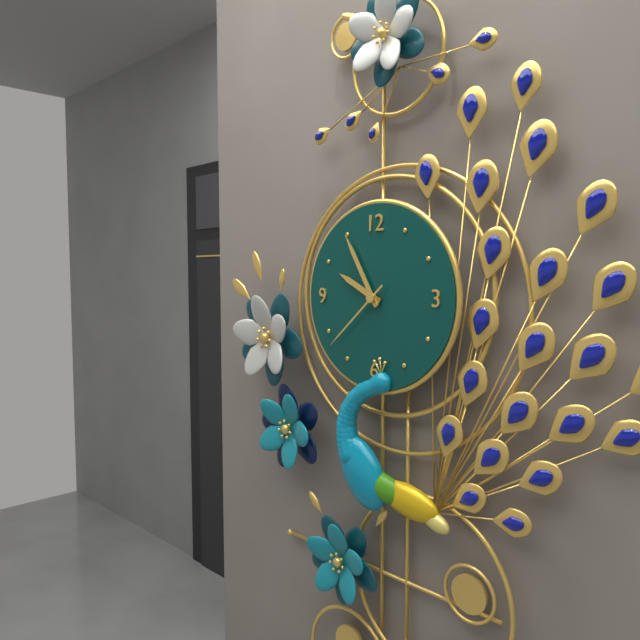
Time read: 9,55,38
